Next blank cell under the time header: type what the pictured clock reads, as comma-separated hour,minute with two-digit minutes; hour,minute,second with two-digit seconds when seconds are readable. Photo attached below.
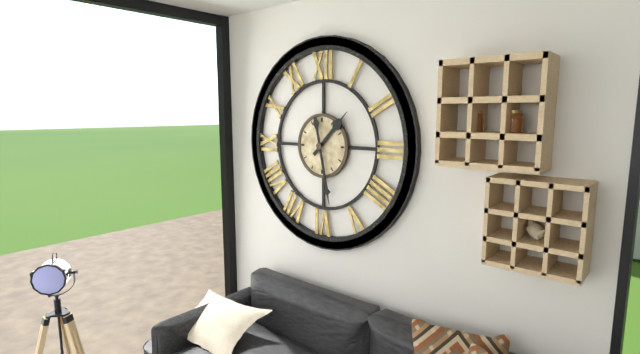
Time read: 1,28
